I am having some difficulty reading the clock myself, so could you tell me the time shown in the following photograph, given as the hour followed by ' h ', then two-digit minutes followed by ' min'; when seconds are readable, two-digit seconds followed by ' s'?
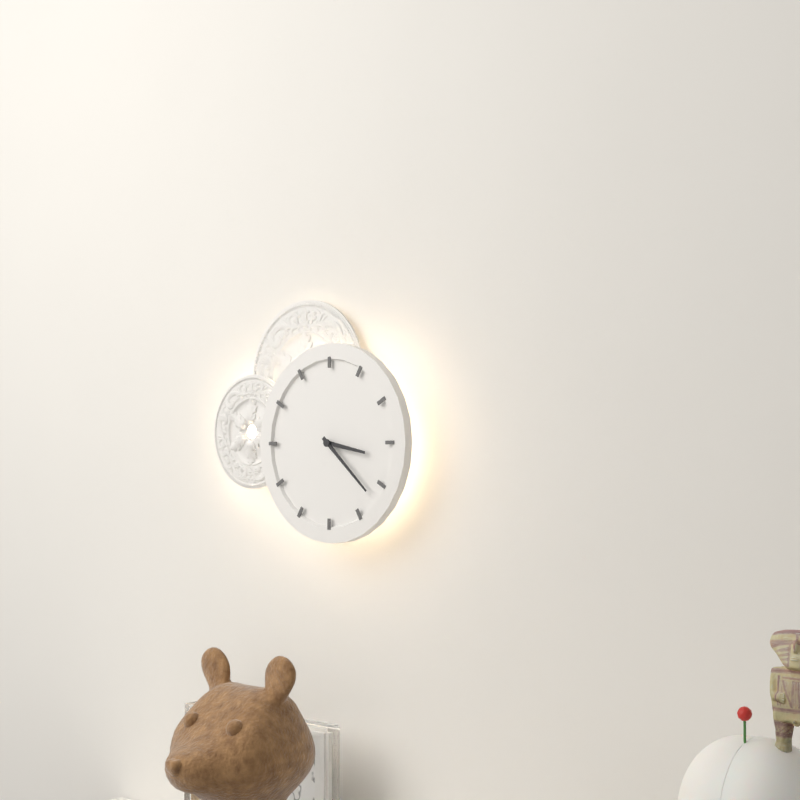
3 h 22 min
